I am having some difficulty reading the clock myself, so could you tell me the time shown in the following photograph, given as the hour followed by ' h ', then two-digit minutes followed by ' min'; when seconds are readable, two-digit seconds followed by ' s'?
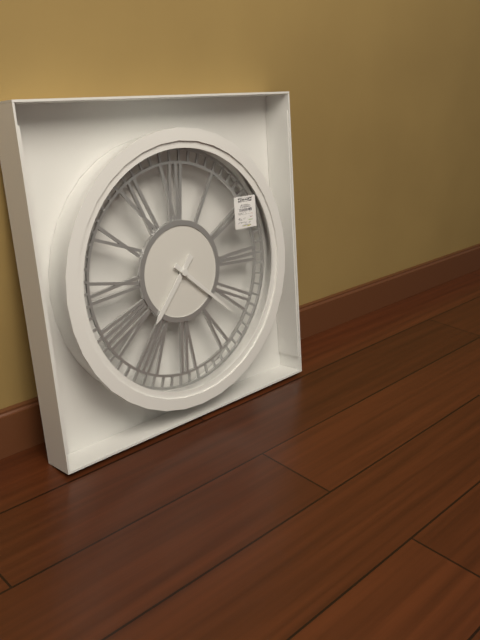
7 h 22 min
